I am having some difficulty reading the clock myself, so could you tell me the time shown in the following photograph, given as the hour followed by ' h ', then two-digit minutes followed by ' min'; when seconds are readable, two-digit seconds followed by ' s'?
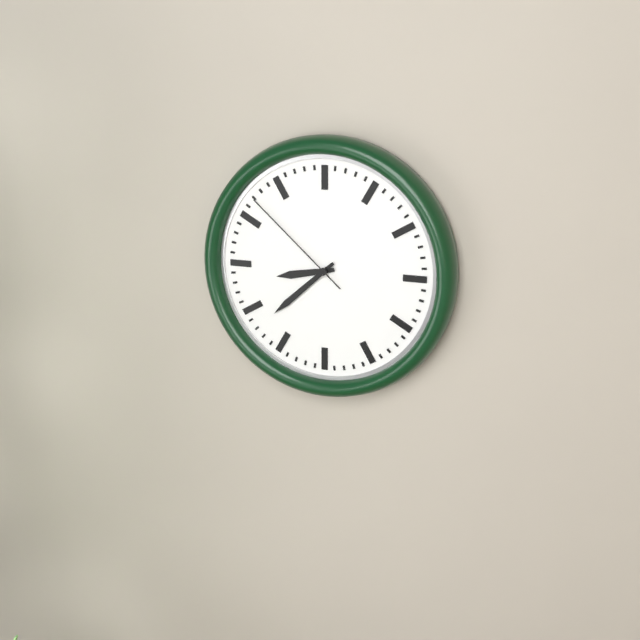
8 h 38 min 52 s
